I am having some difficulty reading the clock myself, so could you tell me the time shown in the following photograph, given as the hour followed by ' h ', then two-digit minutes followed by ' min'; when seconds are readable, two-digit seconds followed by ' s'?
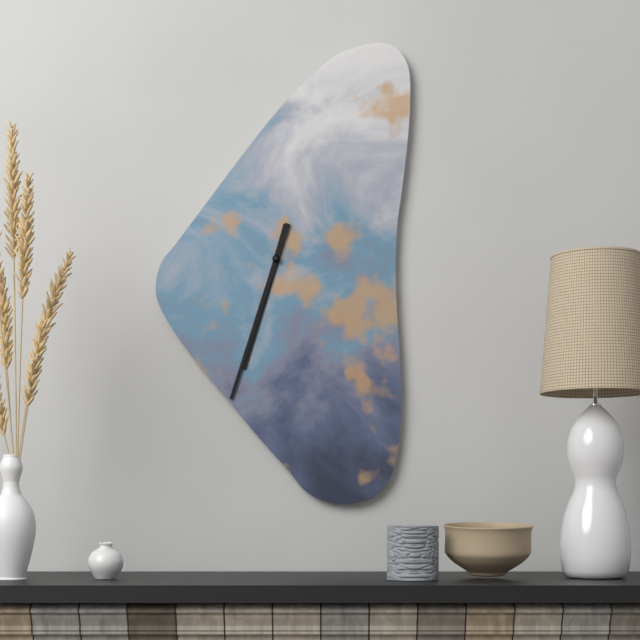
6 h 33 min
